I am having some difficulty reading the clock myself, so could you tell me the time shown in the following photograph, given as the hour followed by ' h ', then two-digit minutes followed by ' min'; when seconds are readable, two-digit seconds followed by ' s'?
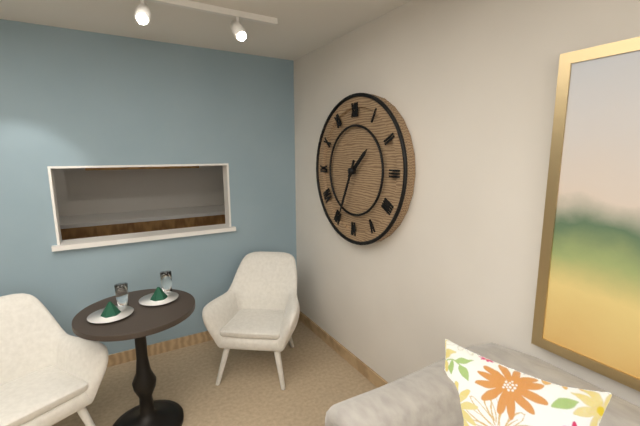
1 h 34 min
